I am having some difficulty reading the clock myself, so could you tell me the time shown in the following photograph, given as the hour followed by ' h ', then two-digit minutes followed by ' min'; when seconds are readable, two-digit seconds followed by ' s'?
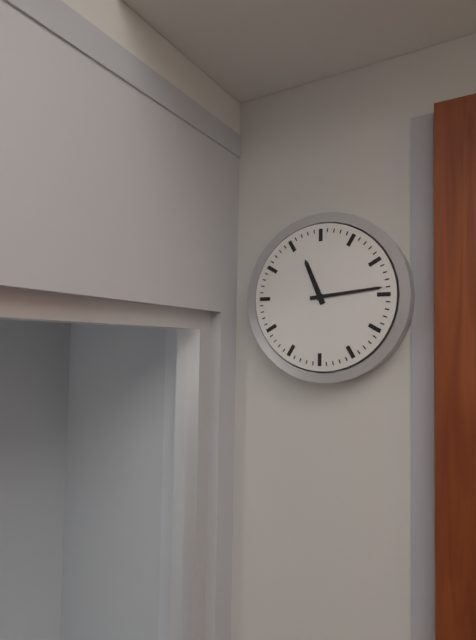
11 h 14 min
